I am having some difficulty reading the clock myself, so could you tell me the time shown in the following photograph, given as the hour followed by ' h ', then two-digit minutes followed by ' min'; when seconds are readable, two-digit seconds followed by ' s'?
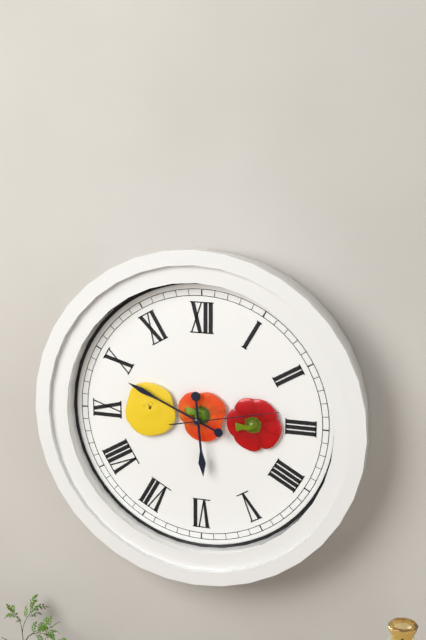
5 h 49 min 13 s
